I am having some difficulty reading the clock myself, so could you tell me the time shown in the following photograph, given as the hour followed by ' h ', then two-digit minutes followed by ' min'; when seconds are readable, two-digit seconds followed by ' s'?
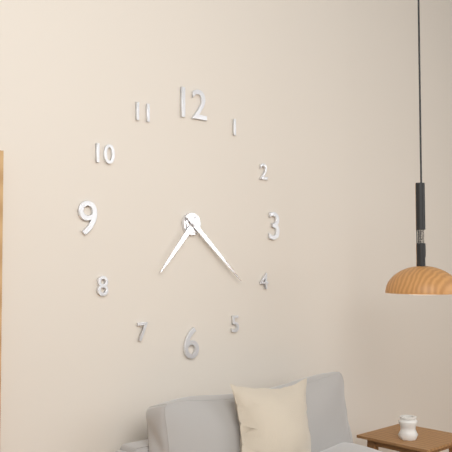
7 h 22 min
